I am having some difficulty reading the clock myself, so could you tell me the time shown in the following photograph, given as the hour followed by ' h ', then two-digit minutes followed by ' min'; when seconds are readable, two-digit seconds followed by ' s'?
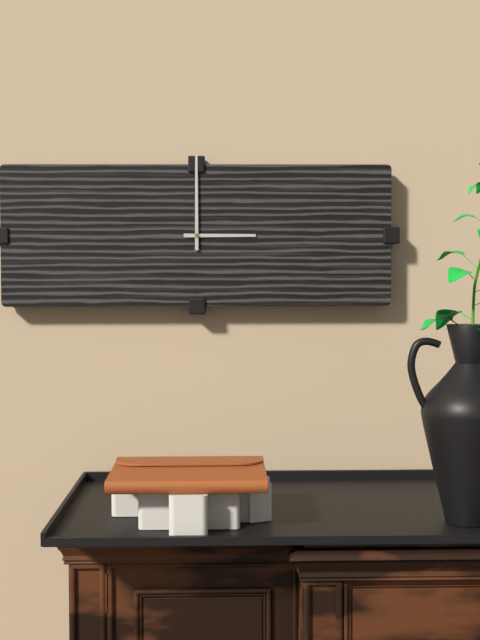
3 h 00 min
